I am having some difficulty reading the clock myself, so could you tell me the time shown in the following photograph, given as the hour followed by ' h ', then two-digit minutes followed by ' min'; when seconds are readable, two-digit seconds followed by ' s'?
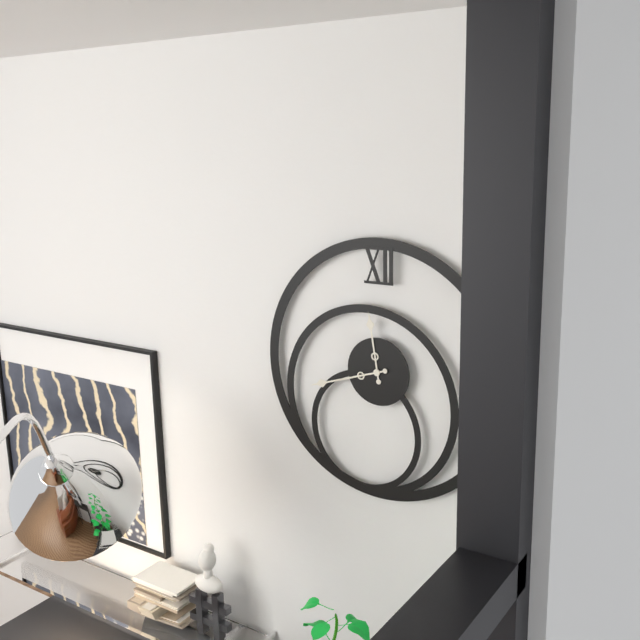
11 h 42 min
